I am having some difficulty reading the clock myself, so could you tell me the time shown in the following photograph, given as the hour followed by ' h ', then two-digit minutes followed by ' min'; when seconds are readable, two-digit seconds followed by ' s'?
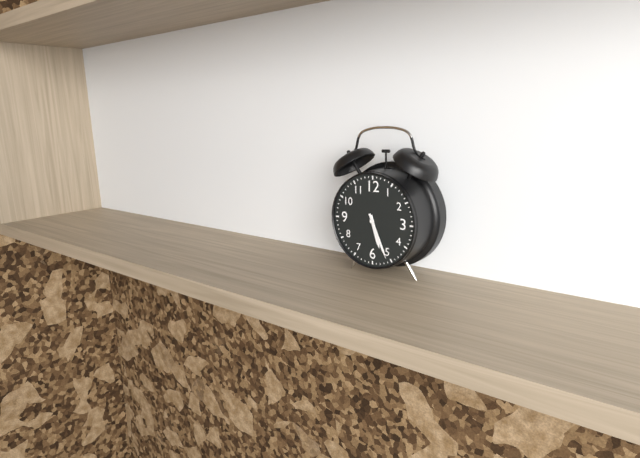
5 h 26 min
